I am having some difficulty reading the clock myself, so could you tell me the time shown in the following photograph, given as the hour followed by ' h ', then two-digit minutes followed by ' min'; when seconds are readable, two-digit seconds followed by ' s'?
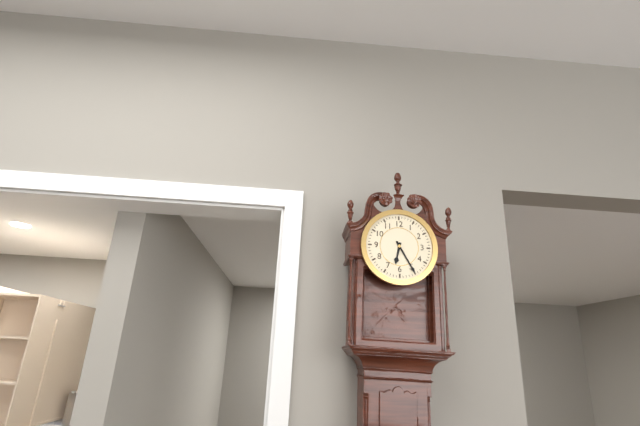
6 h 25 min
